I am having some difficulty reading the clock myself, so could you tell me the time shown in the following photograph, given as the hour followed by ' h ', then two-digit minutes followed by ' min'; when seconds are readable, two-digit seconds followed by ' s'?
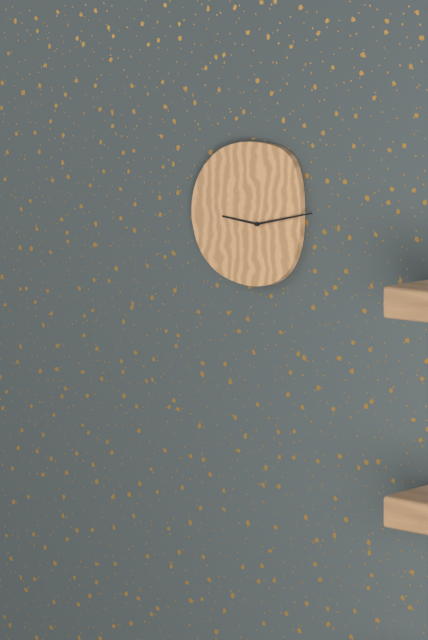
9 h 13 min
